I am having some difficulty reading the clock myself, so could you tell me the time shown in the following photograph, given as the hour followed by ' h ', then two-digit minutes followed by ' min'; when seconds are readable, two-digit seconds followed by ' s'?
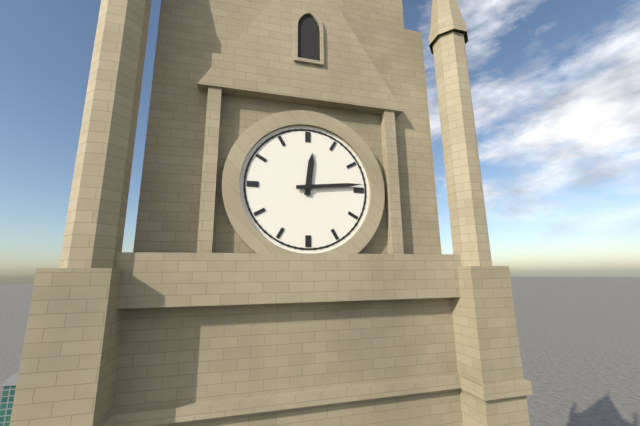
12 h 14 min
